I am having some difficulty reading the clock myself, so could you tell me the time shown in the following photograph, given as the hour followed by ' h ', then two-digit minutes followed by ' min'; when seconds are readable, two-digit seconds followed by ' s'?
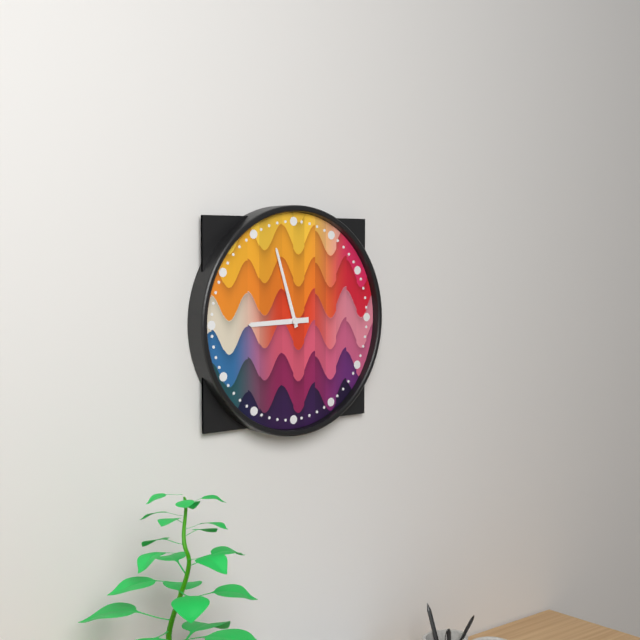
8 h 57 min
